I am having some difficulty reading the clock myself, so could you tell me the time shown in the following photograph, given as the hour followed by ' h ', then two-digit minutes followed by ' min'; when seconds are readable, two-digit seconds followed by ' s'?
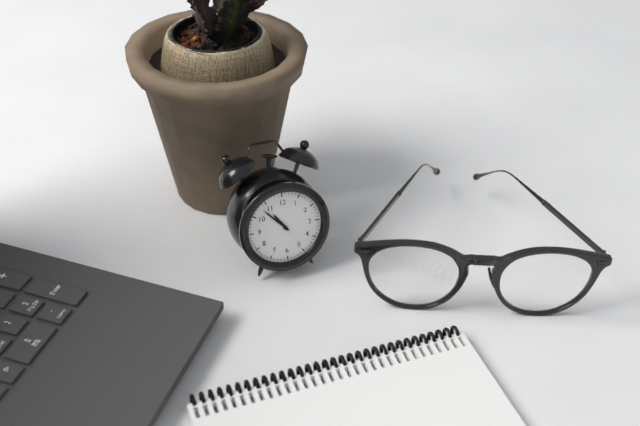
10 h 53 min
